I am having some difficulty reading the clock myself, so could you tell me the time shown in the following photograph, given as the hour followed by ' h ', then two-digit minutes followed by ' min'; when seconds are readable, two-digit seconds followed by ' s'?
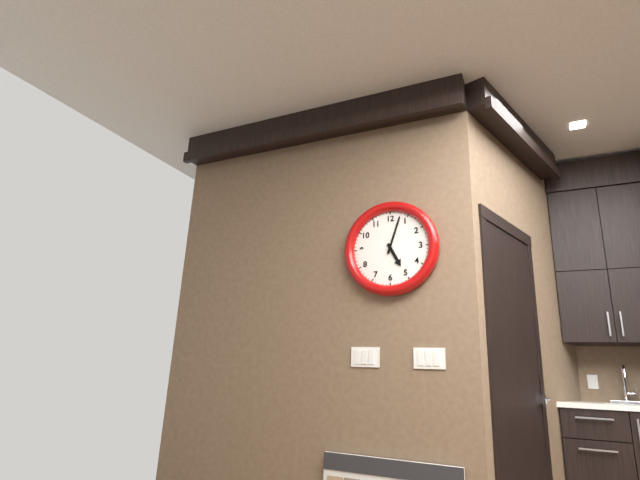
5 h 03 min
